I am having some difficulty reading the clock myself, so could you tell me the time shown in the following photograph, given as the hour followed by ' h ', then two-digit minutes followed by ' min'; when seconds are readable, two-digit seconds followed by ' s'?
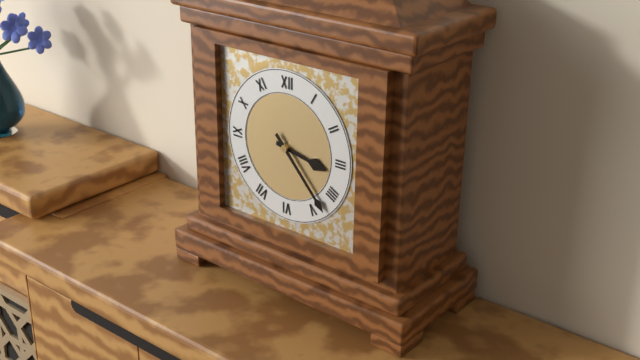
3 h 23 min
